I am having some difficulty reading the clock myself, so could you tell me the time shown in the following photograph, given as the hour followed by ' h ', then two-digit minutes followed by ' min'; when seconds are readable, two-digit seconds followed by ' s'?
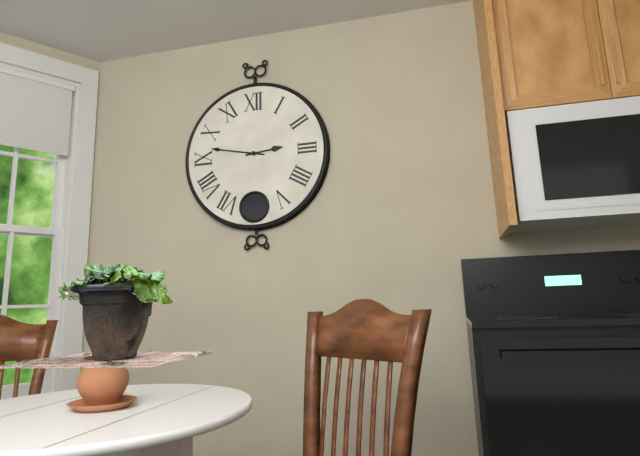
2 h 47 min
